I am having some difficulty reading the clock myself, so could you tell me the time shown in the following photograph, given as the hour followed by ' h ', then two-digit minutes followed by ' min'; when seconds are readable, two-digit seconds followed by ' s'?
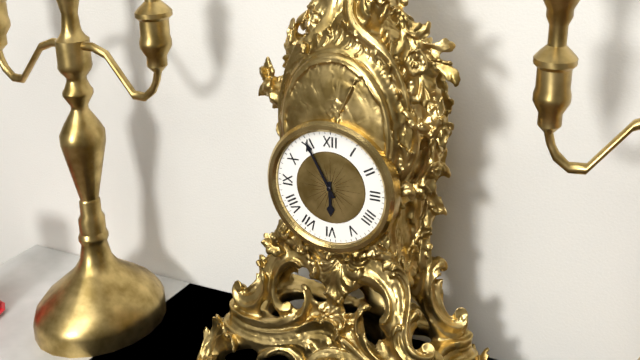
5 h 55 min
